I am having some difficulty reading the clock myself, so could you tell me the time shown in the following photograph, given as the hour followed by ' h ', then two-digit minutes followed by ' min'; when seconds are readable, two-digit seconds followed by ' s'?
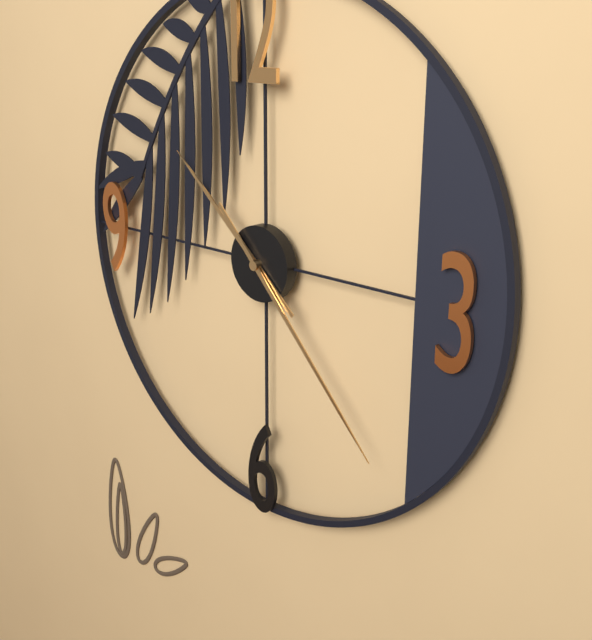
10 h 23 min
